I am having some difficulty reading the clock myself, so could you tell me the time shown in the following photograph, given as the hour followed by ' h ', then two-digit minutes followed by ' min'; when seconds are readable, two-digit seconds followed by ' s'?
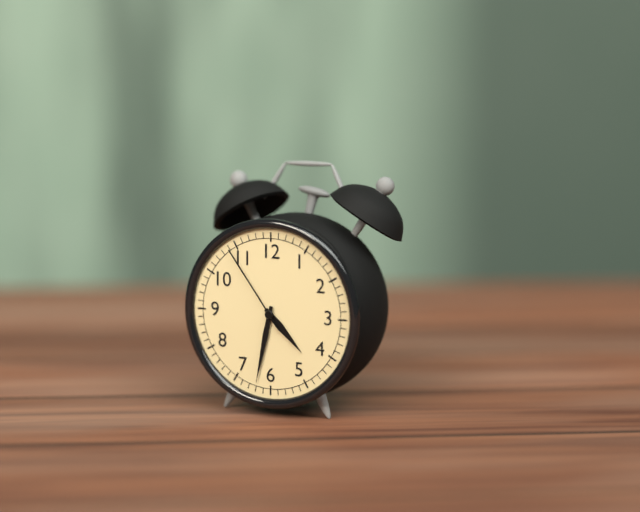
4 h 32 min 54 s
